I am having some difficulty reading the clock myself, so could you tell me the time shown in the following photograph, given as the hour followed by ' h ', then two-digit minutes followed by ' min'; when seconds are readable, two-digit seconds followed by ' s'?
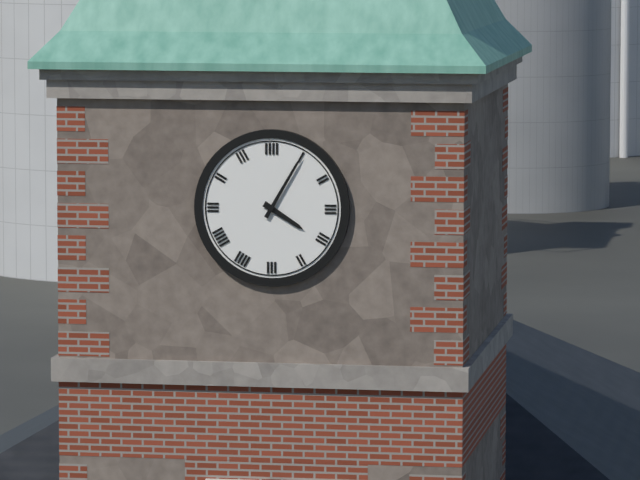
4 h 05 min
